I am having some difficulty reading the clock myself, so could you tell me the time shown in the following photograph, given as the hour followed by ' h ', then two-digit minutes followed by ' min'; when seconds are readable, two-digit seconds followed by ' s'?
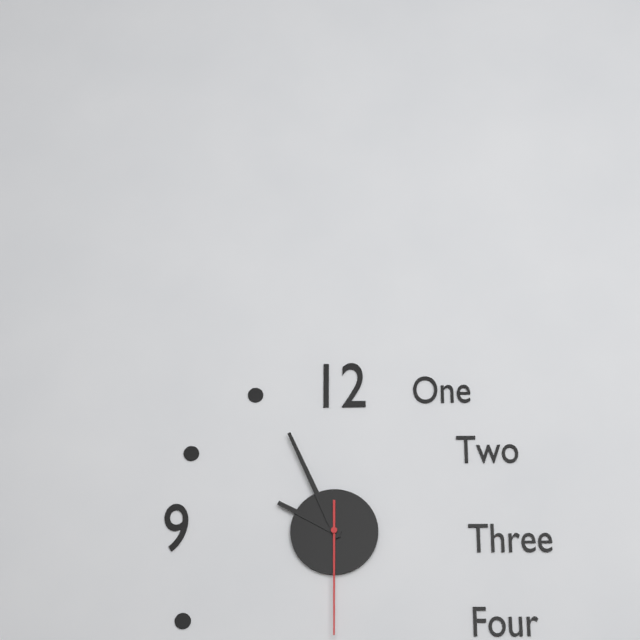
9 h 56 min 30 s
